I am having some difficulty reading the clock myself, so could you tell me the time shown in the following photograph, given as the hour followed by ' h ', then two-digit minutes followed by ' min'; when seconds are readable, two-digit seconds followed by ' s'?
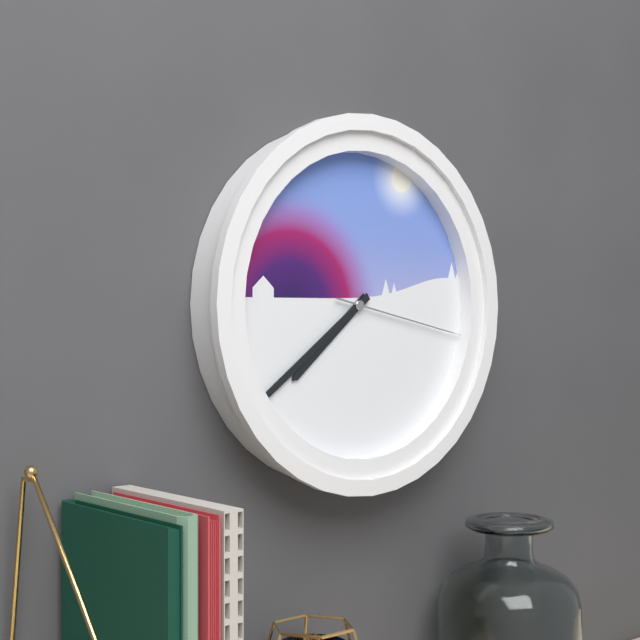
7 h 39 min 17 s
